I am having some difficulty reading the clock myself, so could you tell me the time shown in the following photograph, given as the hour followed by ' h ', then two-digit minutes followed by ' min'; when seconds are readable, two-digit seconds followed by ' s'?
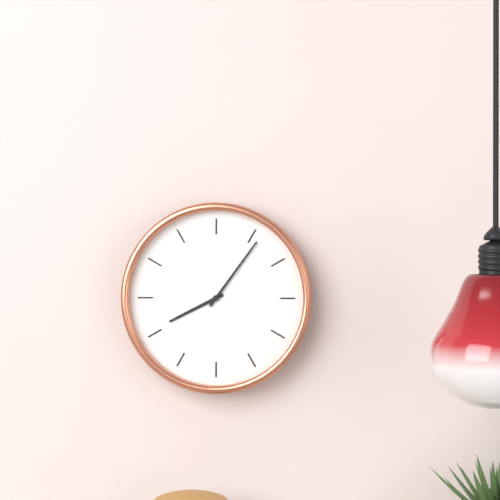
8 h 06 min
